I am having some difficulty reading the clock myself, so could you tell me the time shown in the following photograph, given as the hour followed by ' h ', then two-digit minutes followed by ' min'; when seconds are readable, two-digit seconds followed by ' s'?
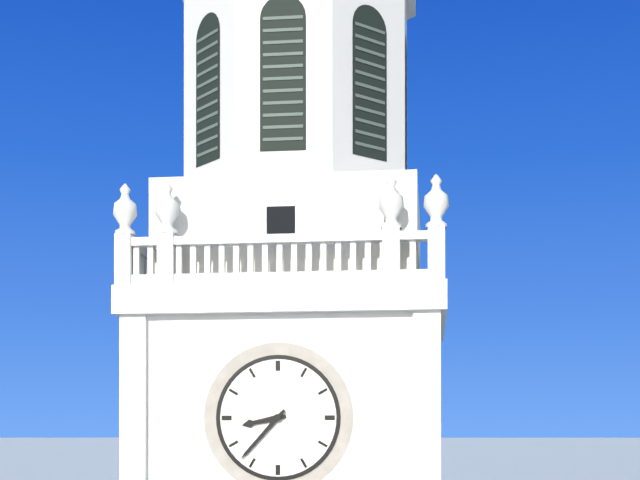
8 h 37 min
